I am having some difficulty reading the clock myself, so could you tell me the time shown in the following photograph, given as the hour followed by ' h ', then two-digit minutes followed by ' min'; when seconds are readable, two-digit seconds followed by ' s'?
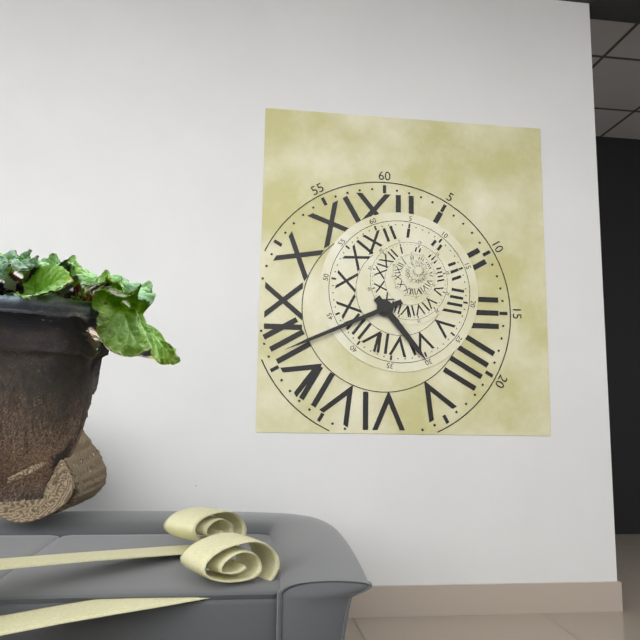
4 h 41 min
